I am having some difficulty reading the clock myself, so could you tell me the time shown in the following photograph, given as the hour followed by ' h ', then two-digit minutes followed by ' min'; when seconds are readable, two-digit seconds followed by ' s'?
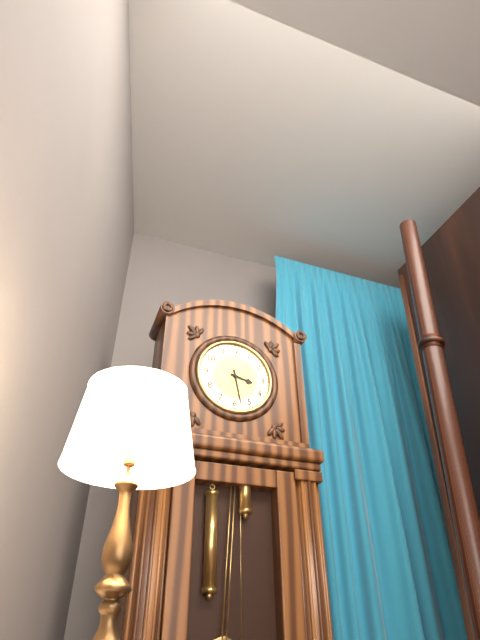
3 h 28 min
